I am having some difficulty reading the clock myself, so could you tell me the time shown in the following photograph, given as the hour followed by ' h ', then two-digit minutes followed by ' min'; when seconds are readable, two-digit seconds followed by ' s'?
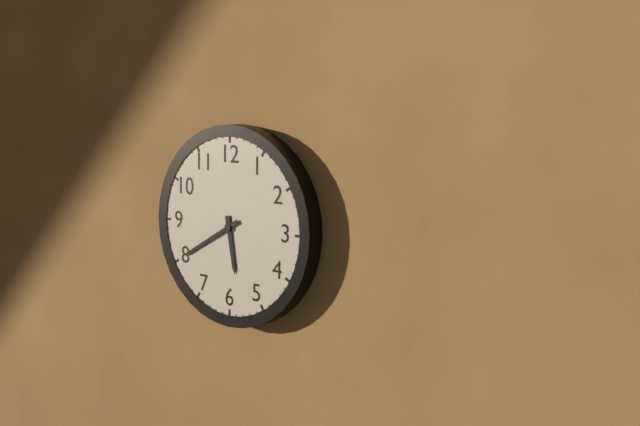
5 h 40 min
